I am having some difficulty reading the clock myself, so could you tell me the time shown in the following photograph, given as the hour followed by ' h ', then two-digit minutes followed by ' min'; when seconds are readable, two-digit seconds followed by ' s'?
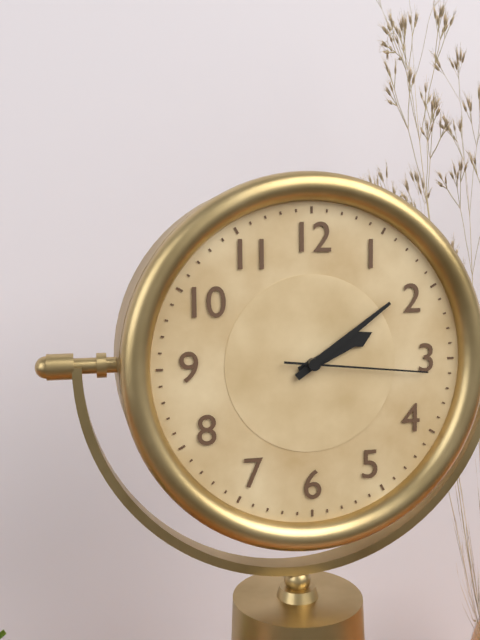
2 h 09 min 16 s
